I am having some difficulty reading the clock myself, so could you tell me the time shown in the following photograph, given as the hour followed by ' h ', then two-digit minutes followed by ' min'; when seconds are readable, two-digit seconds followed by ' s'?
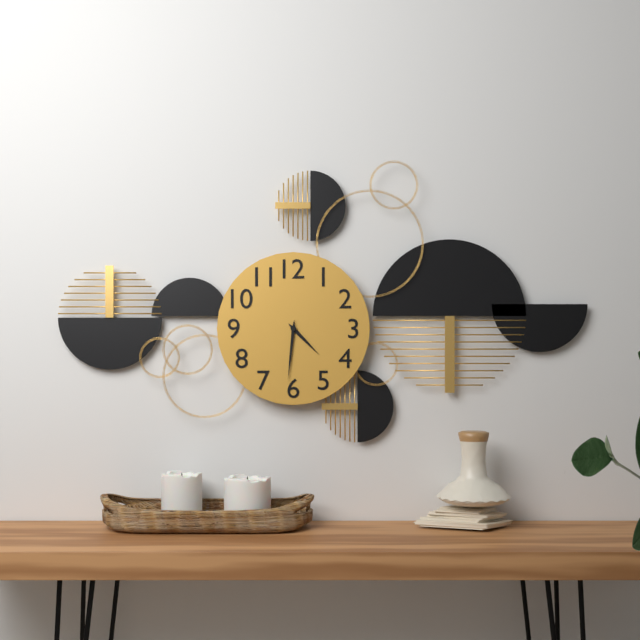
4 h 31 min
